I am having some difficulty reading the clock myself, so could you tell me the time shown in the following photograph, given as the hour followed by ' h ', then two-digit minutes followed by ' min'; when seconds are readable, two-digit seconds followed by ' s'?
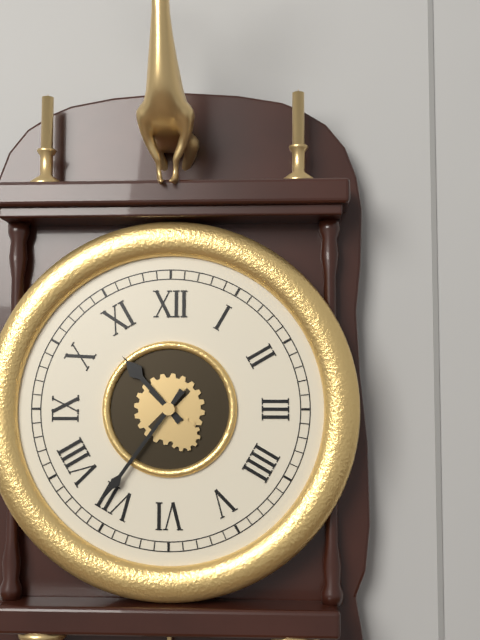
10 h 36 min
